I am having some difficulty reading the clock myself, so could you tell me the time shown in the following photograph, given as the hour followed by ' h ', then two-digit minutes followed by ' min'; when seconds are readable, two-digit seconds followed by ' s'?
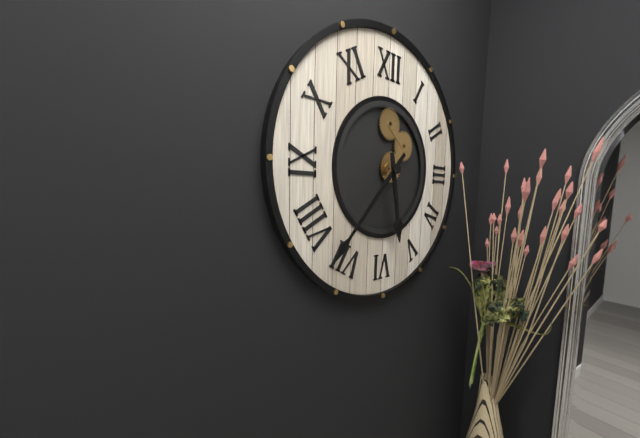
5 h 37 min
